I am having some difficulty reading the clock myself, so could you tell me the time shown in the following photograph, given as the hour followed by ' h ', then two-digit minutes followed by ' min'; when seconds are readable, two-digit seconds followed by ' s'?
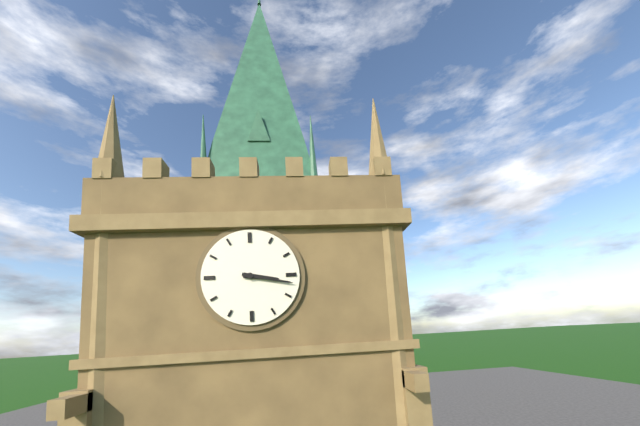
3 h 17 min
